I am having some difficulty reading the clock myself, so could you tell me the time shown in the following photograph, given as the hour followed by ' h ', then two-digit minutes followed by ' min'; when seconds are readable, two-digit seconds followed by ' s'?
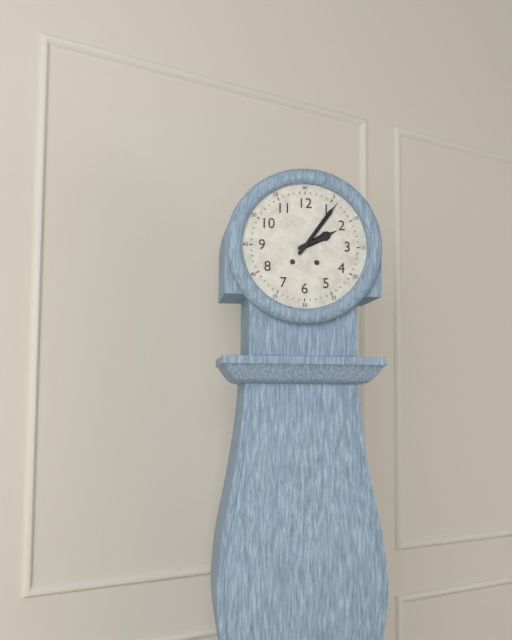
2 h 06 min
